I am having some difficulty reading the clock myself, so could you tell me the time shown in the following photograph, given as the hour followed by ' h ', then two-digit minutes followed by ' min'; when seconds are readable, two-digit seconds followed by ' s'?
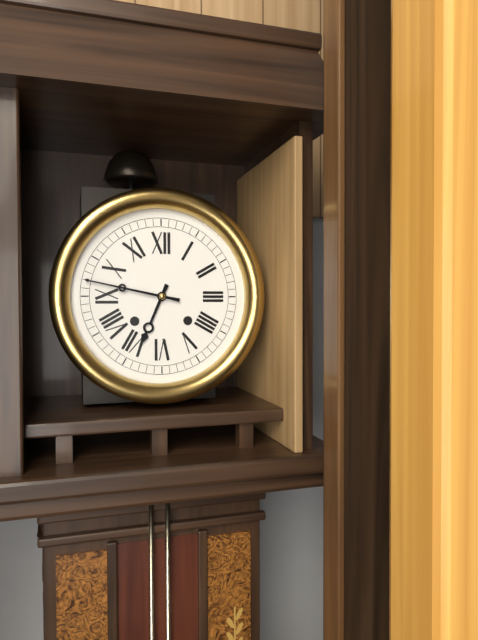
6 h 47 min
